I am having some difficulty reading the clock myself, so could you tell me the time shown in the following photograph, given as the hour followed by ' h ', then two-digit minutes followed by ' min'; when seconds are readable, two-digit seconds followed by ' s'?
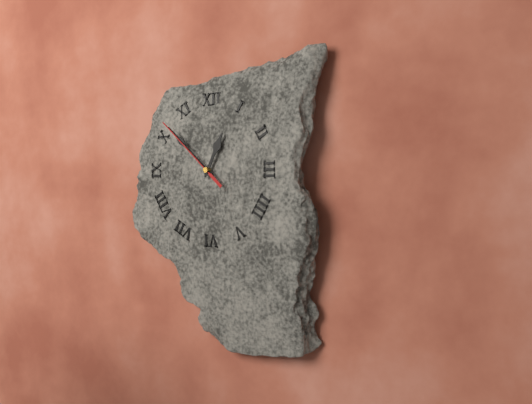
12 h 52 min 52 s
